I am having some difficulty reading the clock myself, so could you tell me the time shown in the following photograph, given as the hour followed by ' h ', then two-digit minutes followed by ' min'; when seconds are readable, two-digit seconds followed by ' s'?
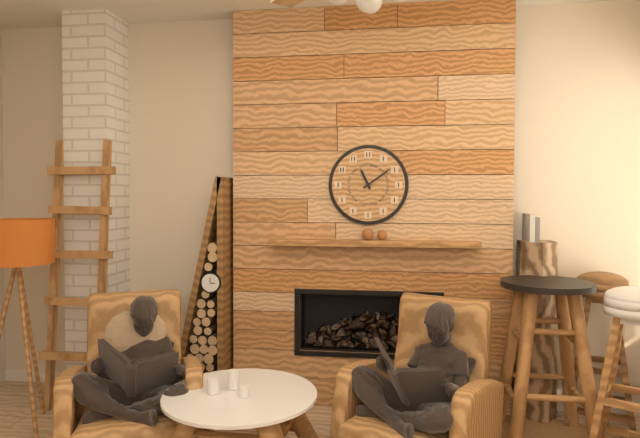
11 h 09 min
